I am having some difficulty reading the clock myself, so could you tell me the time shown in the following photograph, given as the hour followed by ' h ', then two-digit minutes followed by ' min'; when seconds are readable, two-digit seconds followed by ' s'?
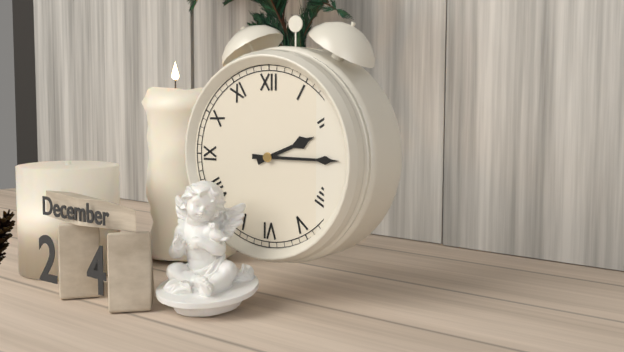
2 h 15 min
